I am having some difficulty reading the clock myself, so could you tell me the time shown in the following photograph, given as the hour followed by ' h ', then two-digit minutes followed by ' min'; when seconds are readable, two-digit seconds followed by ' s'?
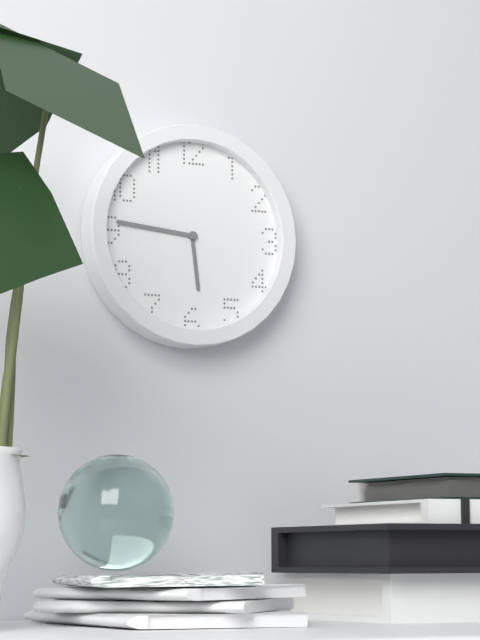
5 h 46 min
